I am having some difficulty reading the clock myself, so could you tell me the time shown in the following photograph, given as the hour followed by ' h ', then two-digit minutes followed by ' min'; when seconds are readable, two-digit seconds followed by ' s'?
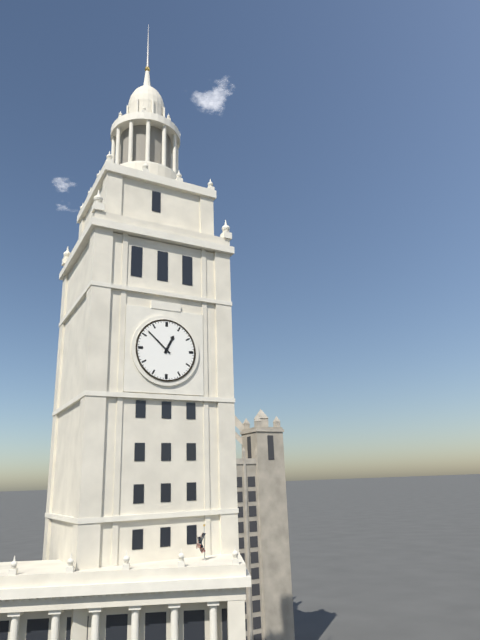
12 h 52 min
